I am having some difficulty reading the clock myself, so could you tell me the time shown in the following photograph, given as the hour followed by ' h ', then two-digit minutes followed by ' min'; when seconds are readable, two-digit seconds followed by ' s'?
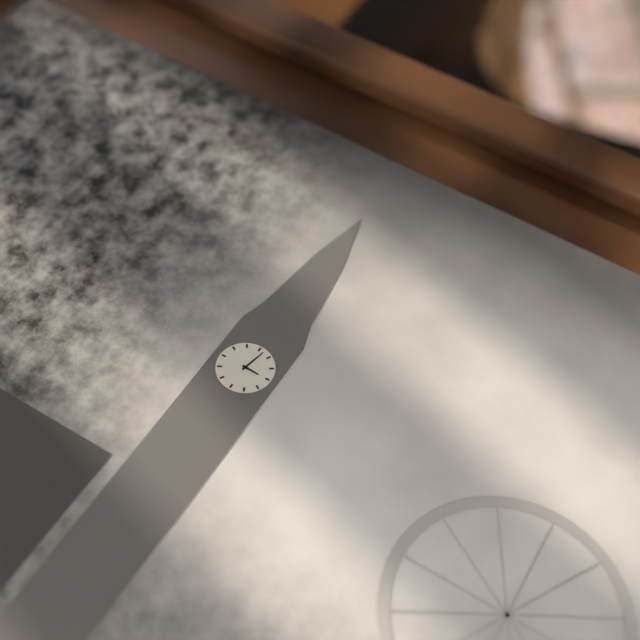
3 h 02 min
